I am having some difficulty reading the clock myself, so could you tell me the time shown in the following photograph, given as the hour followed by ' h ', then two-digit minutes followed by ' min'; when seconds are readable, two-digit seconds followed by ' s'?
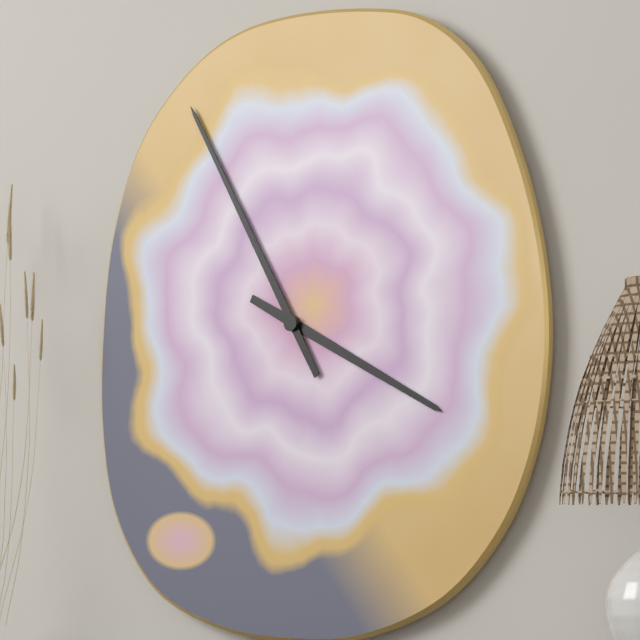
3 h 55 min
